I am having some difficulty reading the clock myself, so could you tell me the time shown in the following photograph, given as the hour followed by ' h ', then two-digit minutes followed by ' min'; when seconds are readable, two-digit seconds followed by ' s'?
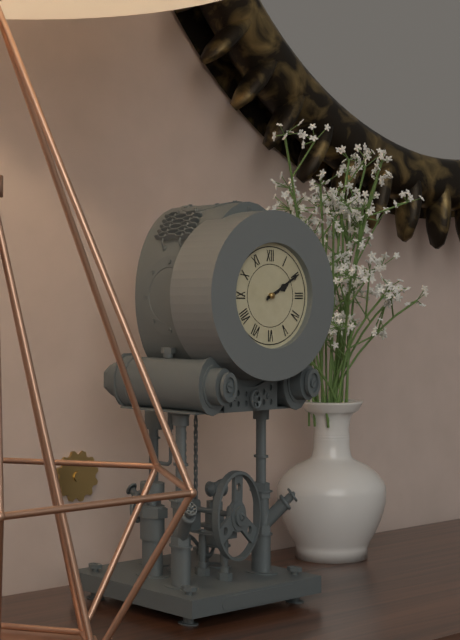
2 h 10 min
